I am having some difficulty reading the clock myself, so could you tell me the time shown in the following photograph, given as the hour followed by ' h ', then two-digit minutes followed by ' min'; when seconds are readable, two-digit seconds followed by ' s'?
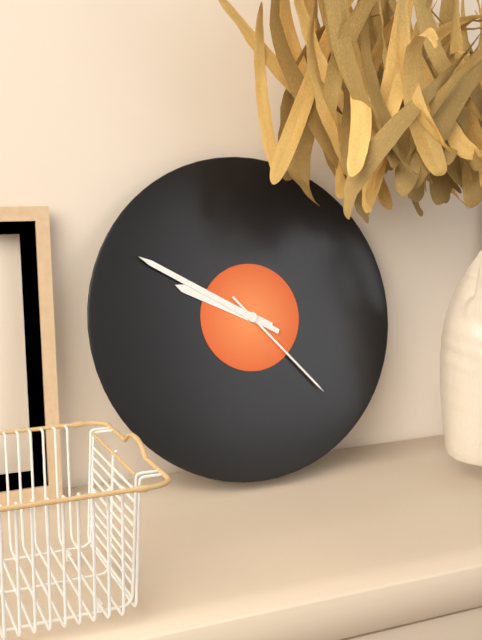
9 h 50 min 23 s
